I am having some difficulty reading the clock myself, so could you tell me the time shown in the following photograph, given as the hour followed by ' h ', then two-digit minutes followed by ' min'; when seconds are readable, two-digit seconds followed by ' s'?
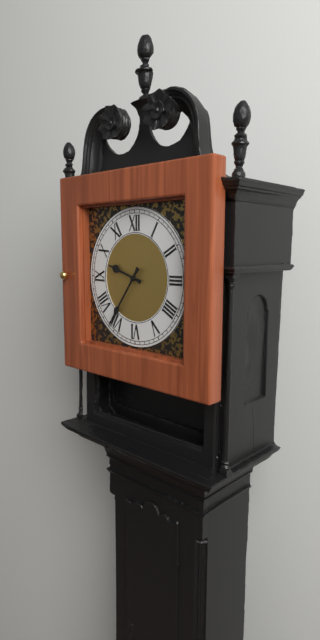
9 h 36 min
